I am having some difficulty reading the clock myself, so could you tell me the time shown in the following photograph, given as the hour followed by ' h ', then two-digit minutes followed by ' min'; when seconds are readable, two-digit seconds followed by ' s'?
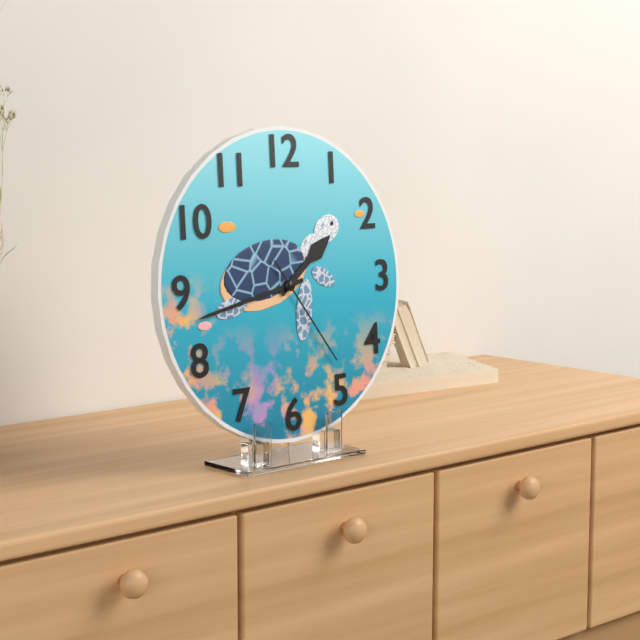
1 h 43 min 24 s
